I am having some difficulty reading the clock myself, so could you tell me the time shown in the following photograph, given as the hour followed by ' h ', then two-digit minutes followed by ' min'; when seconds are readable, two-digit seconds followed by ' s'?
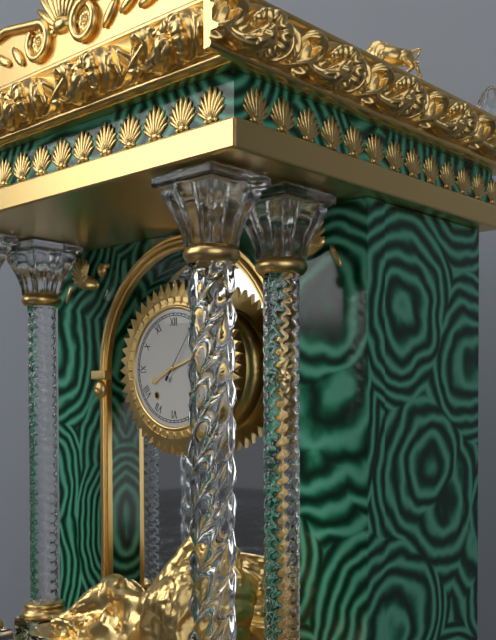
8 h 12 min 06 s
